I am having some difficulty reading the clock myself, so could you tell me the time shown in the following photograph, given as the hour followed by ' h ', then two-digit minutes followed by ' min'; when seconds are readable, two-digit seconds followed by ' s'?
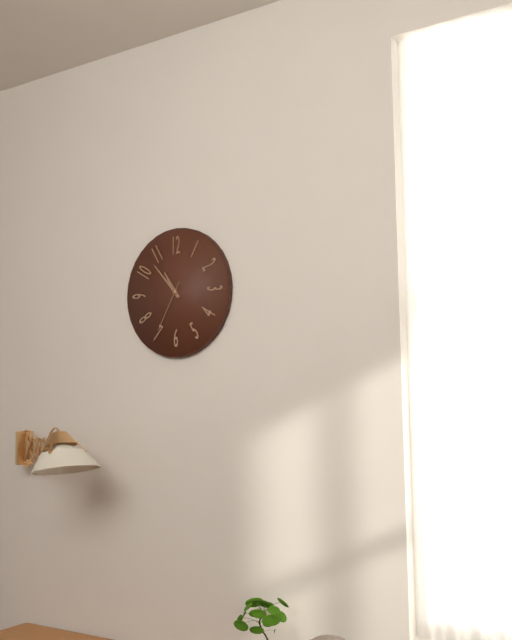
10 h 53 min 35 s
